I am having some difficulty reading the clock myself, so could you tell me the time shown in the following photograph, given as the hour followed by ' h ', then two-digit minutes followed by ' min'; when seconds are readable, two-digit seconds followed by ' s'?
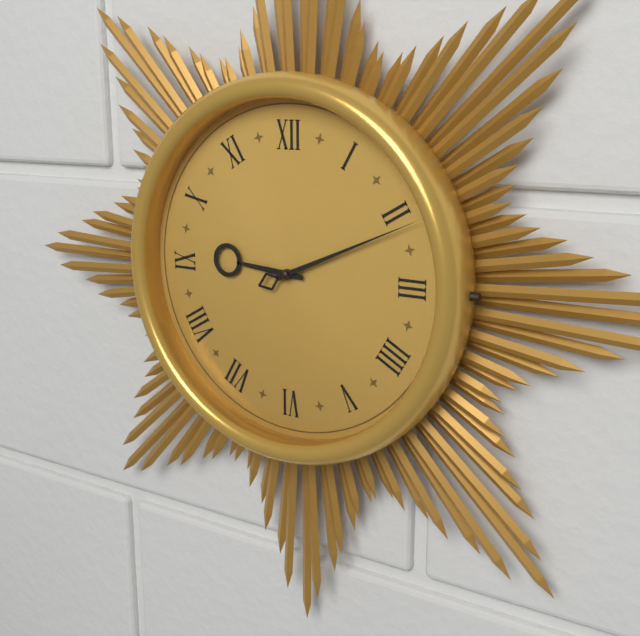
9 h 11 min
